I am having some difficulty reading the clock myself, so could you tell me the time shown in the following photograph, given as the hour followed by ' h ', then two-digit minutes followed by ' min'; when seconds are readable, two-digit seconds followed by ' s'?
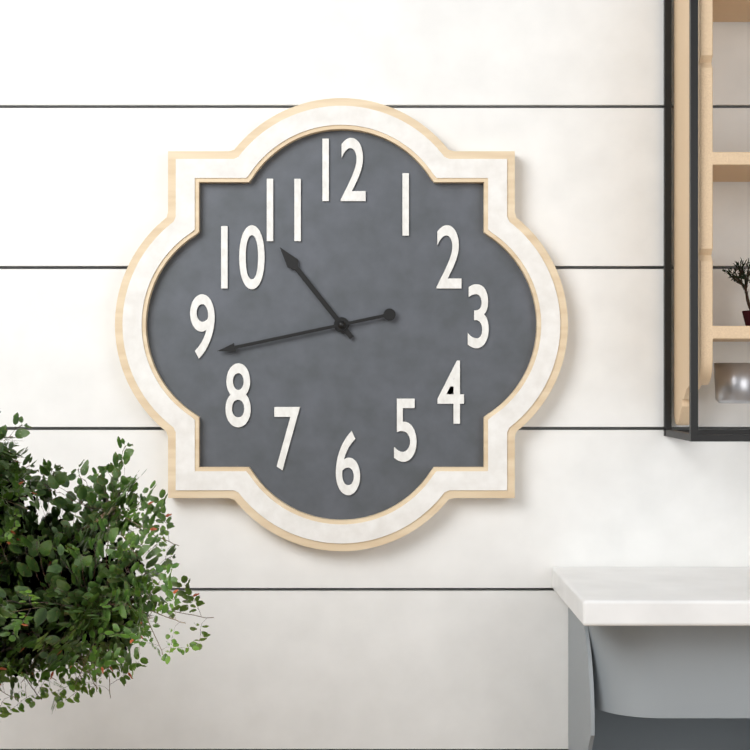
10 h 43 min
